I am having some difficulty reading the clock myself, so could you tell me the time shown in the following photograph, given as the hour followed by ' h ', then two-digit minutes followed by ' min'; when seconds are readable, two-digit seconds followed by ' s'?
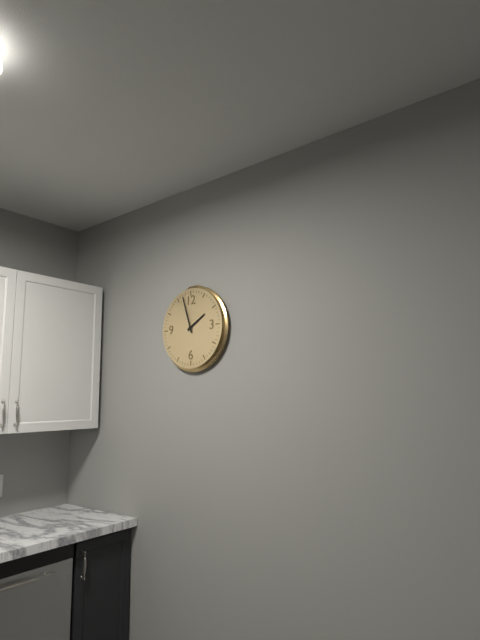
1 h 57 min
